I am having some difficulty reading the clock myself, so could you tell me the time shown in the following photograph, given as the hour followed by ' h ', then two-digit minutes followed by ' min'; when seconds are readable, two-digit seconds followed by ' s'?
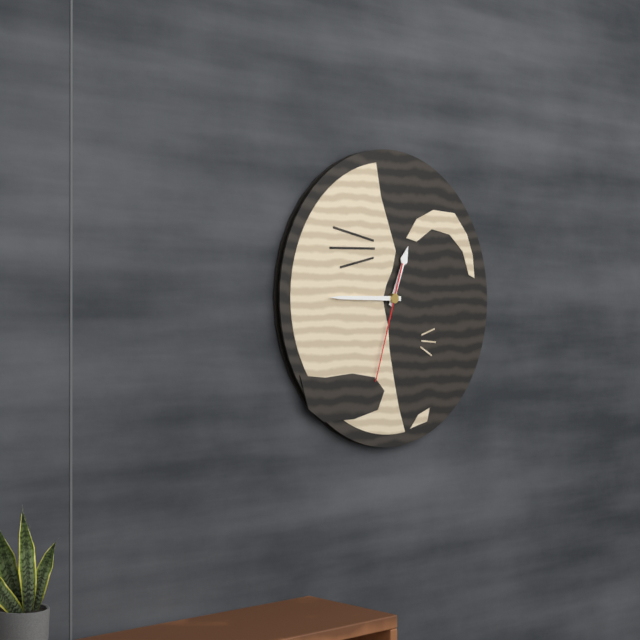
12 h 45 min 33 s
